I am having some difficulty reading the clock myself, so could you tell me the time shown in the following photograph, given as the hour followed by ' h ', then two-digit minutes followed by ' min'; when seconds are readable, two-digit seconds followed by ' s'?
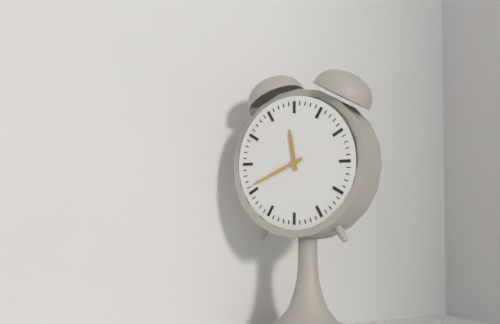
11 h 41 min
